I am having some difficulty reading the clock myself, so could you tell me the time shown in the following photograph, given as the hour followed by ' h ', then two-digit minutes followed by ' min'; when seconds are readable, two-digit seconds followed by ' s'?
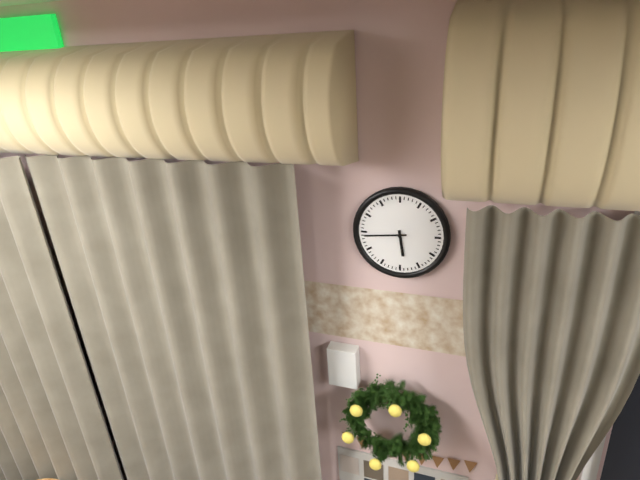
5 h 44 min
